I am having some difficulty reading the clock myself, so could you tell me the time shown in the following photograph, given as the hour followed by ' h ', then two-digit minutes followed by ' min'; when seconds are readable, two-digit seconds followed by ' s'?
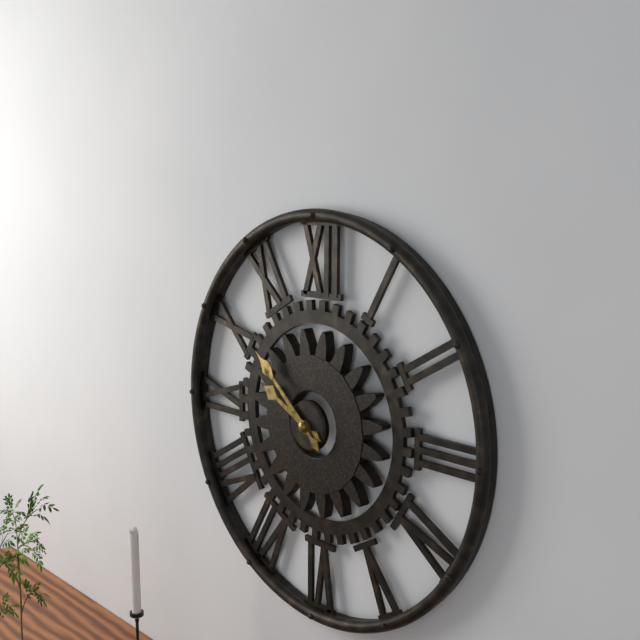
9 h 52 min
